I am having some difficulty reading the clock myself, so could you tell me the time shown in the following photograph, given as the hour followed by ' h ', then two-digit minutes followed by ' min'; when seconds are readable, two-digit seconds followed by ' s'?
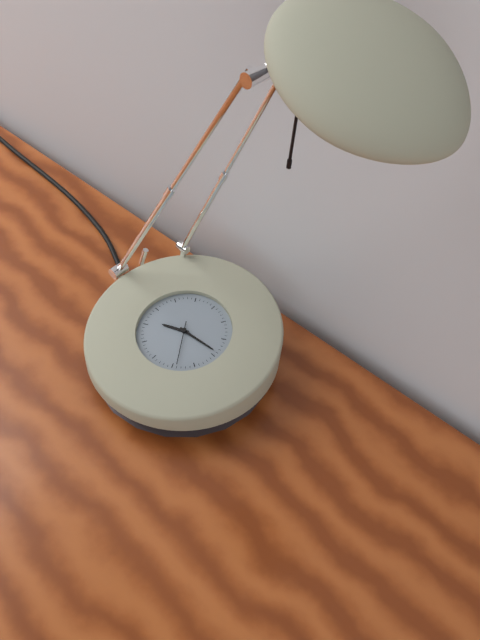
8 h 14 min
